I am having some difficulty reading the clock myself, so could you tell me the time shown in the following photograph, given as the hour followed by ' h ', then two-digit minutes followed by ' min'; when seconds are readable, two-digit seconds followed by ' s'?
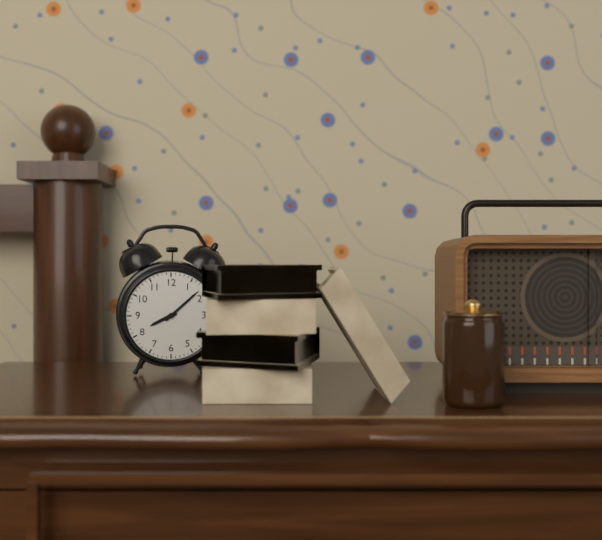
8 h 08 min
